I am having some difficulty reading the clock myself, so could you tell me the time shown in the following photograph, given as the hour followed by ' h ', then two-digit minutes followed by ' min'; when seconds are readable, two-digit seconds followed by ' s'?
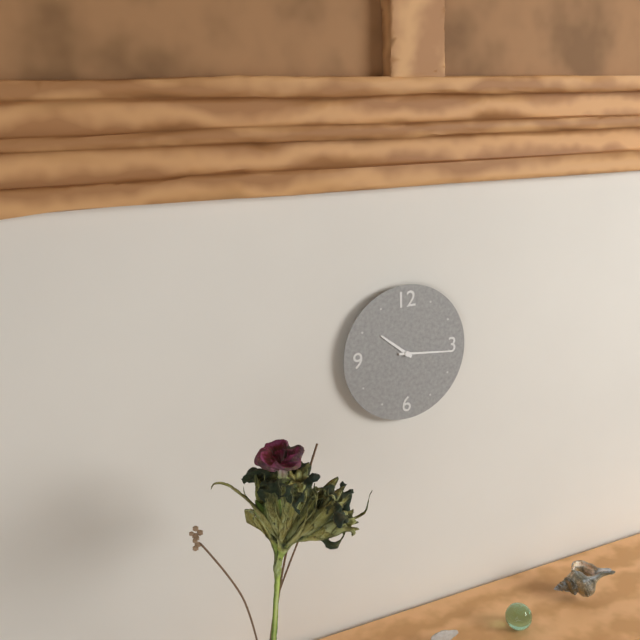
10 h 16 min
